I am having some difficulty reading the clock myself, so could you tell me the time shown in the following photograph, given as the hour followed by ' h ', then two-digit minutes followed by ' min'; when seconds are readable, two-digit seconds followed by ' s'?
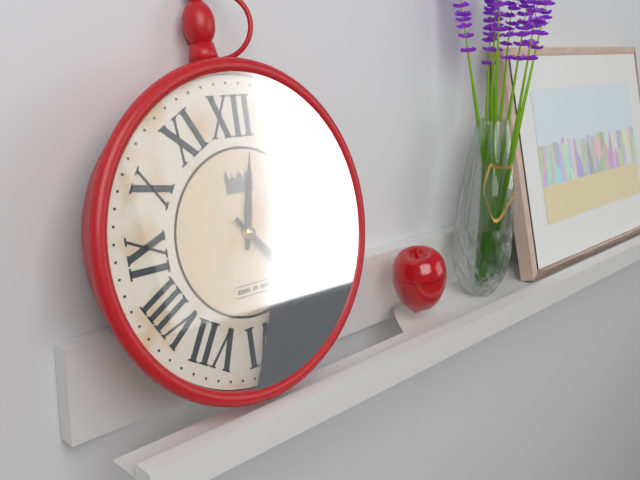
12 h 23 min
